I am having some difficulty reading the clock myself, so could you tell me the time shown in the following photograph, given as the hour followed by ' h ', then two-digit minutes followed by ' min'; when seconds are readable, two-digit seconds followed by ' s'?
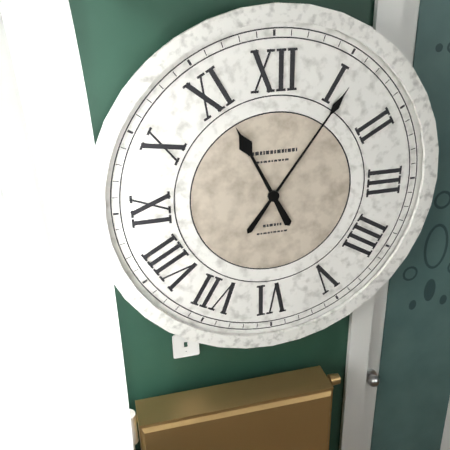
11 h 06 min
